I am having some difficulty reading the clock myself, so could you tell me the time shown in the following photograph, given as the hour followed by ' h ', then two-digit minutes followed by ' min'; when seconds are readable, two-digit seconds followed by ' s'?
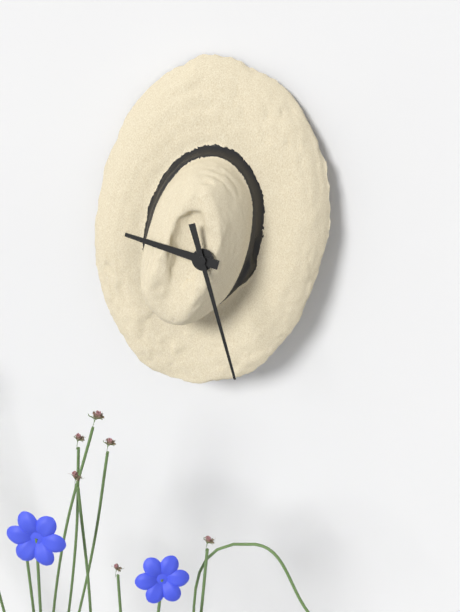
9 h 27 min
